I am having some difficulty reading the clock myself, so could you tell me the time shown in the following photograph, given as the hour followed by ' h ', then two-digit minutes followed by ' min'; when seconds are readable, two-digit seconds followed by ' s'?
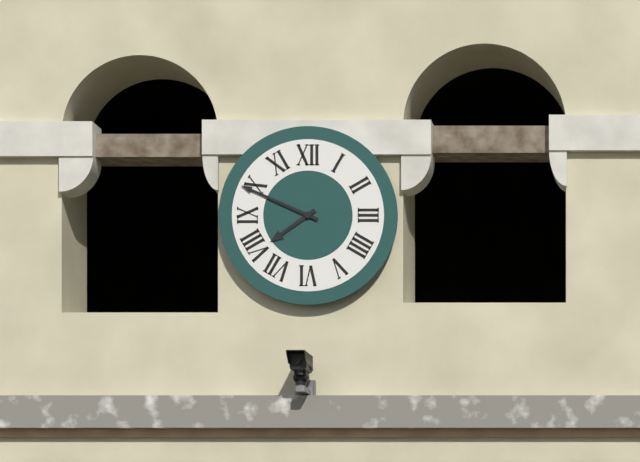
7 h 49 min
